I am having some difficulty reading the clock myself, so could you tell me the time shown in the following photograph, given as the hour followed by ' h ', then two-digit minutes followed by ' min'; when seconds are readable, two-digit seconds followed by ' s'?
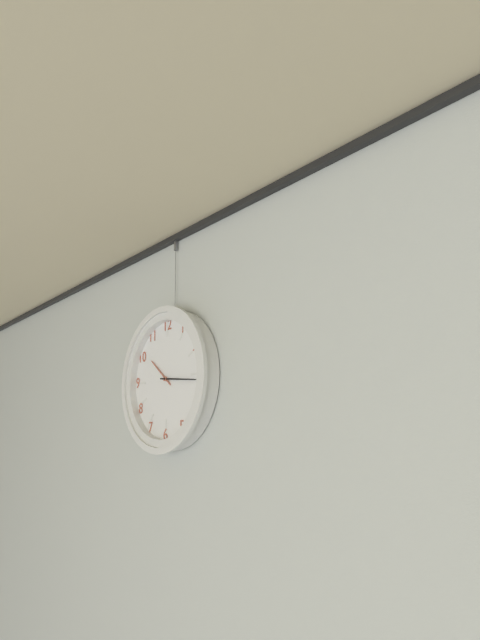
10 h 16 min
